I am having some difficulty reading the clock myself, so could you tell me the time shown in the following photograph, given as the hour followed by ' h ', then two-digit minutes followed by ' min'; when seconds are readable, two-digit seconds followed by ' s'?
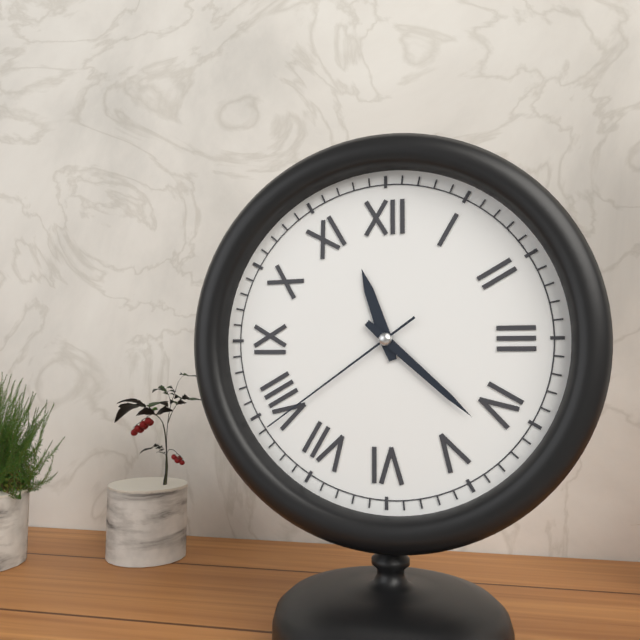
11 h 22 min 39 s
